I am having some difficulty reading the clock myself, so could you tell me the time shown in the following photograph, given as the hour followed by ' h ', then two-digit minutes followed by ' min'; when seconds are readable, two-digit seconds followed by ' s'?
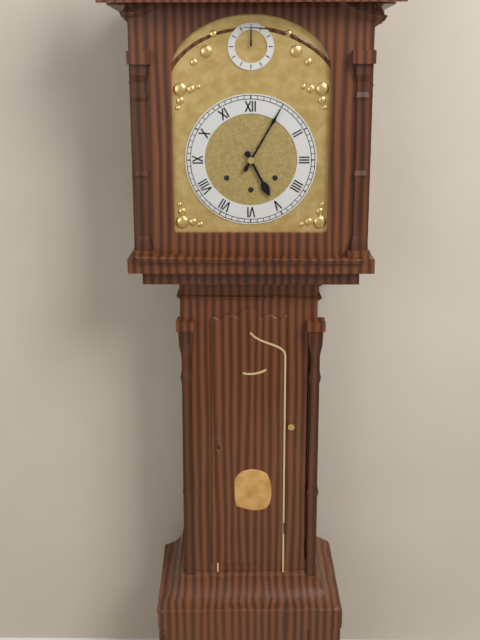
5 h 05 min
